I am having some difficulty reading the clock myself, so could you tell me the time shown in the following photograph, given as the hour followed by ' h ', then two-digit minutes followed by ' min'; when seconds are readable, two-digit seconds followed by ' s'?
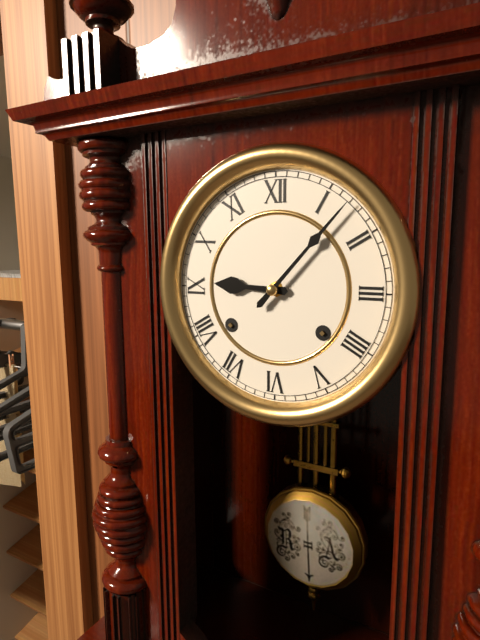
9 h 07 min
